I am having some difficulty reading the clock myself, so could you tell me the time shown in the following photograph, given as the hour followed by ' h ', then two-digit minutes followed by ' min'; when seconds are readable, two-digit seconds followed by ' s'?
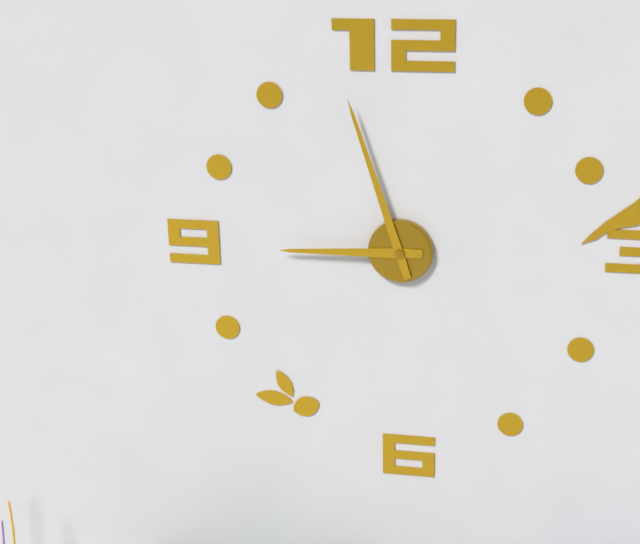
8 h 57 min
